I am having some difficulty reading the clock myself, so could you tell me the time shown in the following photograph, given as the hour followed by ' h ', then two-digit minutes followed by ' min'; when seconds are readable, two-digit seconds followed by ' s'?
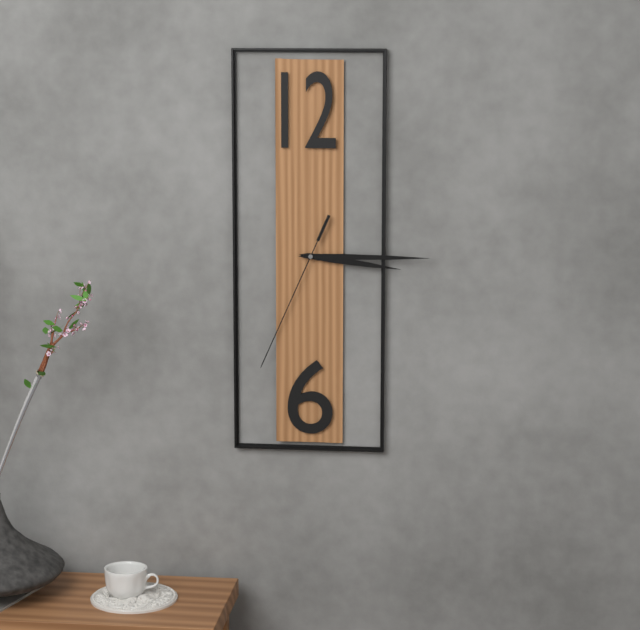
3 h 15 min 34 s
